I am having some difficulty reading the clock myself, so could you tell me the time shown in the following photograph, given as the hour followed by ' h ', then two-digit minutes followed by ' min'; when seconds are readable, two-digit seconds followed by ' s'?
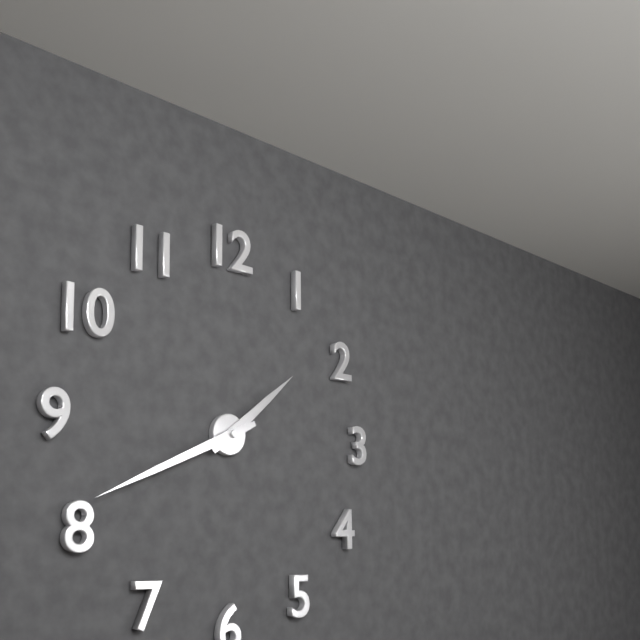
1 h 41 min
